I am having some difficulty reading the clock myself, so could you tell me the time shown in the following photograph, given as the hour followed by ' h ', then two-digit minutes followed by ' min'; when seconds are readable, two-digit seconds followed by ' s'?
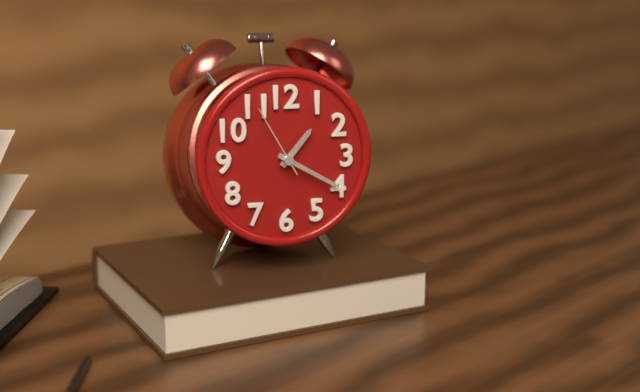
1 h 20 min 55 s
